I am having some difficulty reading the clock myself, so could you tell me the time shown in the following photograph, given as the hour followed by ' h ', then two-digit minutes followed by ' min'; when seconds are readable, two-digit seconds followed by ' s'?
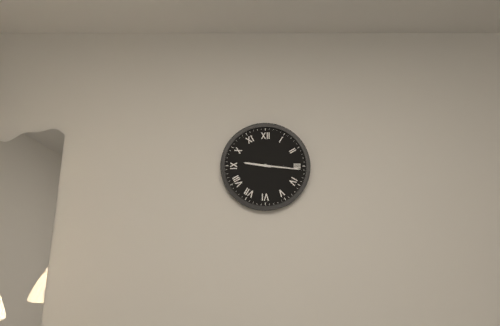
9 h 16 min
